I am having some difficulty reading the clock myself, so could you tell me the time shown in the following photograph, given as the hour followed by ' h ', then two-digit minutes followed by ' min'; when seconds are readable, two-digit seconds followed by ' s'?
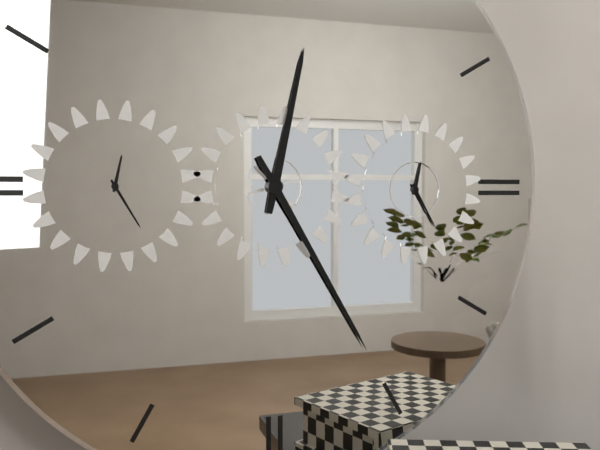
12 h 25 min
